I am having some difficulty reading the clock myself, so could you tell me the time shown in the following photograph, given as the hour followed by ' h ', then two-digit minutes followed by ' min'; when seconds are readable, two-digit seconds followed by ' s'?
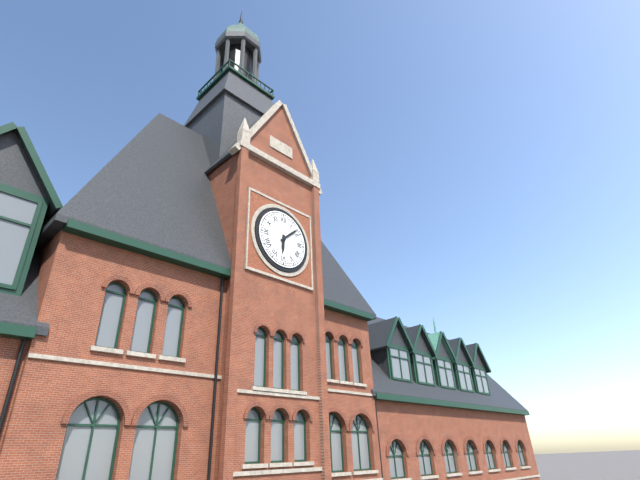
6 h 08 min
